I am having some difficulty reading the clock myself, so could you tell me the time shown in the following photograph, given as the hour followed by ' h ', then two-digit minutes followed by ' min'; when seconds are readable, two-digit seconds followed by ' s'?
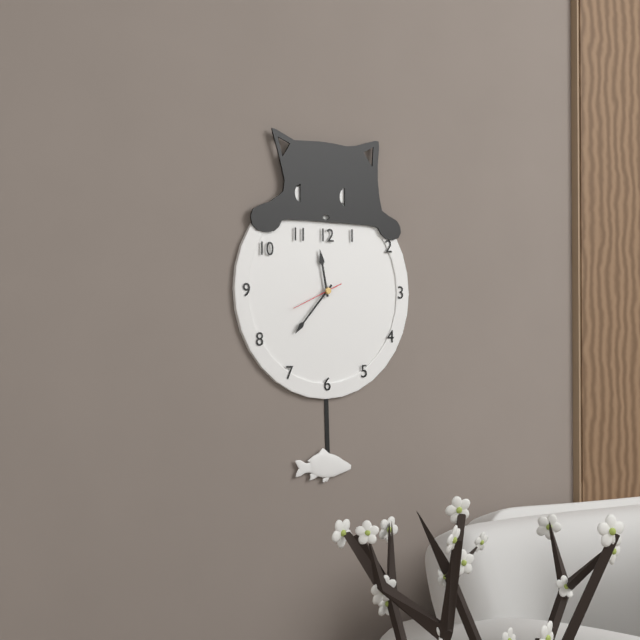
11 h 37 min
